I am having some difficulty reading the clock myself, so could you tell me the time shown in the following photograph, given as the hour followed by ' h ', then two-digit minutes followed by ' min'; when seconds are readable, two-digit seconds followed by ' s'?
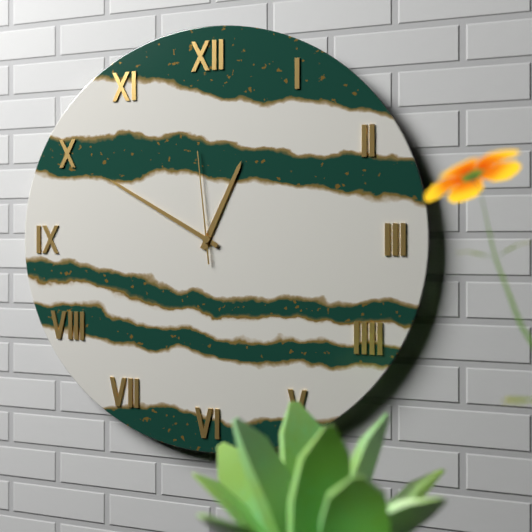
12 h 50 min 59 s
